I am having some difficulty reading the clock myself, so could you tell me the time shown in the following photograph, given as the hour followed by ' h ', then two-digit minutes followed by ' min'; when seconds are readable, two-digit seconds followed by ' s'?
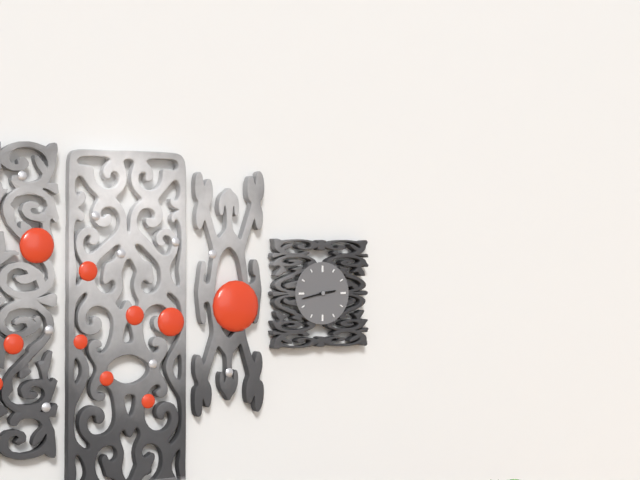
2 h 43 min
